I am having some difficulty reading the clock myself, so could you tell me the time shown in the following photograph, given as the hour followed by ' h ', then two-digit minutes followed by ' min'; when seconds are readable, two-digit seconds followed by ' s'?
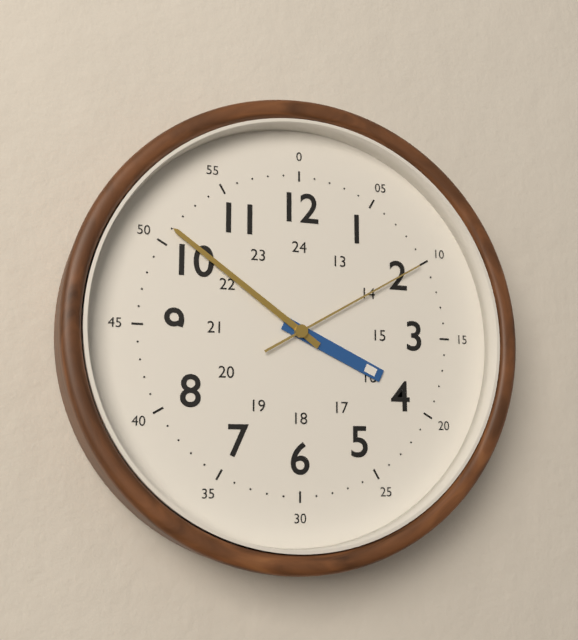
3 h 51 min 10 s
